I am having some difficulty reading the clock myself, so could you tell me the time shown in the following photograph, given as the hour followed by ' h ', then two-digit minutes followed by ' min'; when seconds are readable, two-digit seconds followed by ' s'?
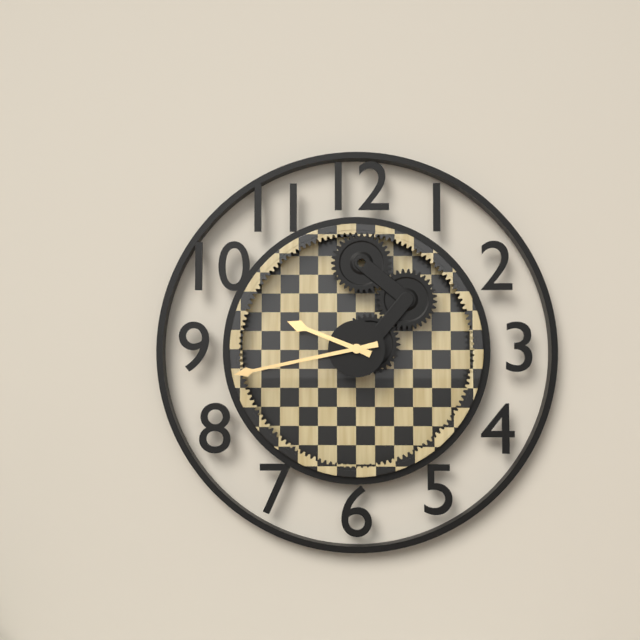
9 h 43 min
